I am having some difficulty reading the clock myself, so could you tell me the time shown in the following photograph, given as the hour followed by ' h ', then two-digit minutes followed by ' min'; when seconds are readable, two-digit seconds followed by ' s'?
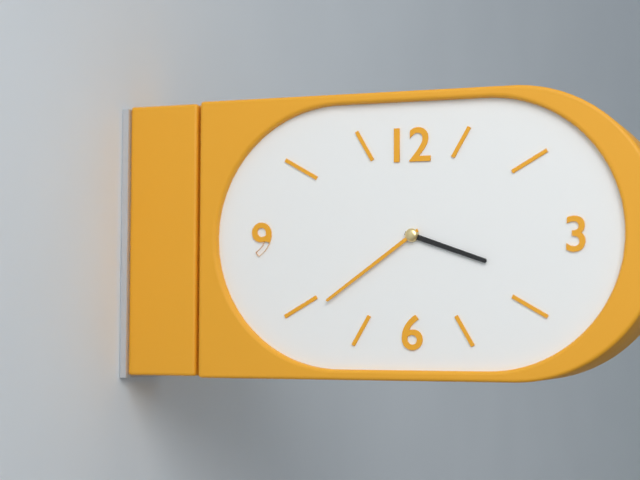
3 h 39 min
